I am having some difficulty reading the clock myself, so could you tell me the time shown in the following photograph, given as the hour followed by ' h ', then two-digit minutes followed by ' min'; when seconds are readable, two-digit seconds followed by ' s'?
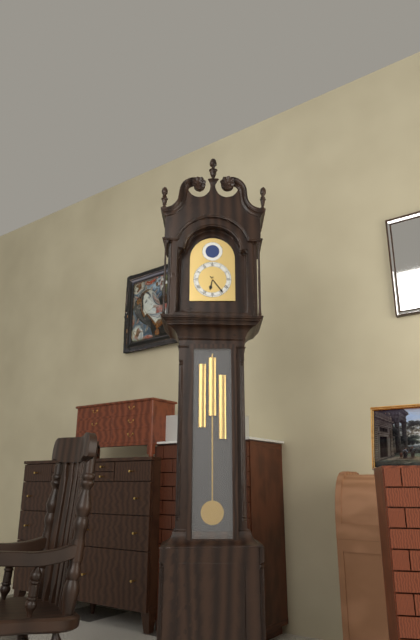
6 h 24 min
